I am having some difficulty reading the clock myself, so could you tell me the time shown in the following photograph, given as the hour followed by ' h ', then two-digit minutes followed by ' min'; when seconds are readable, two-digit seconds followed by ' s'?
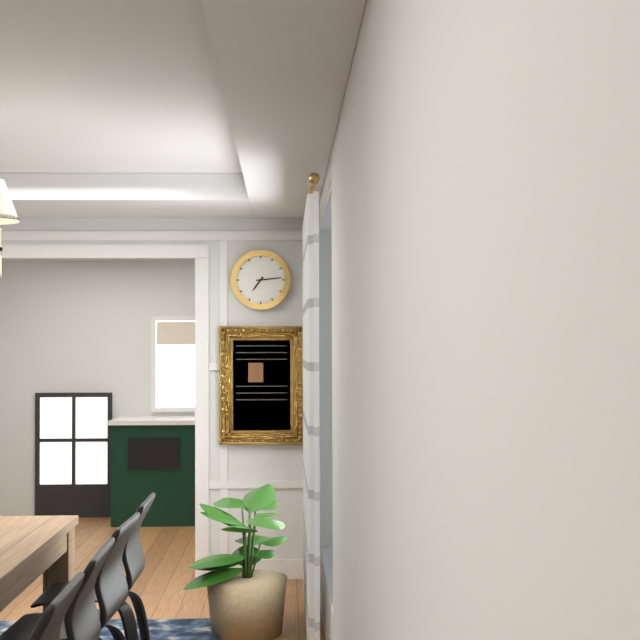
7 h 14 min
